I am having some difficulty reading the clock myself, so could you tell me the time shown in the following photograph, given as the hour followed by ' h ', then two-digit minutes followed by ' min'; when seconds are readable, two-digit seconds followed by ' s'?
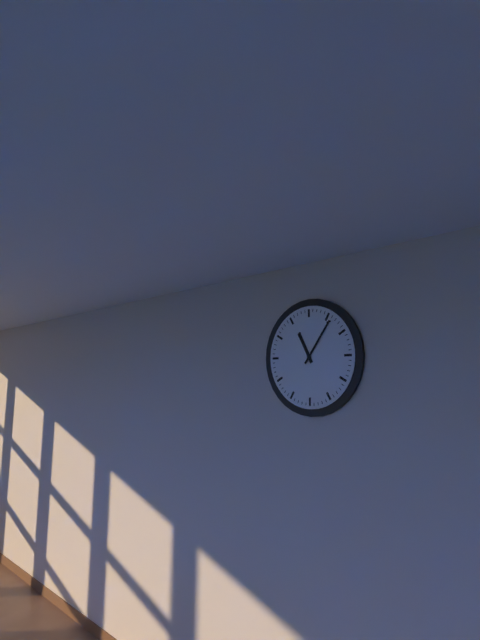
11 h 06 min
